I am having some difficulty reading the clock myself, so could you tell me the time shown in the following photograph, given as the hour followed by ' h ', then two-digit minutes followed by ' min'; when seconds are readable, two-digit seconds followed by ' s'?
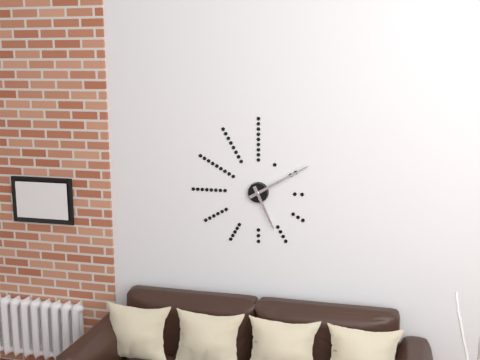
5 h 10 min
